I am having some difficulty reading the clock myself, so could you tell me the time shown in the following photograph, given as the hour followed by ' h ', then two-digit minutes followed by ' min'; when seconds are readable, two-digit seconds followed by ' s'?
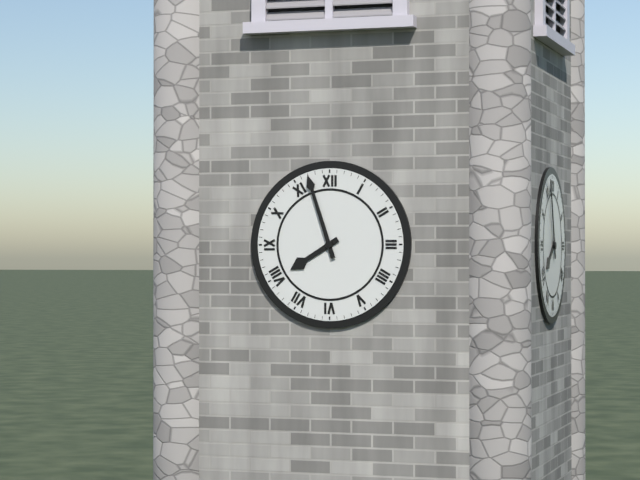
7 h 57 min
